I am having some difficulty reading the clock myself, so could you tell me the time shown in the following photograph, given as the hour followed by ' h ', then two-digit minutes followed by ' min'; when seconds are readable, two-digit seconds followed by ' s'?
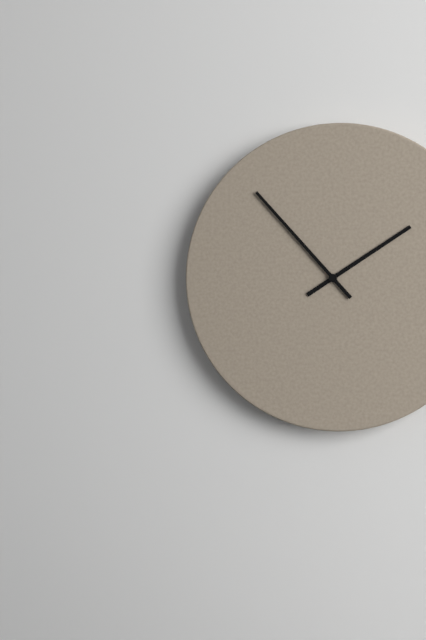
1 h 53 min
